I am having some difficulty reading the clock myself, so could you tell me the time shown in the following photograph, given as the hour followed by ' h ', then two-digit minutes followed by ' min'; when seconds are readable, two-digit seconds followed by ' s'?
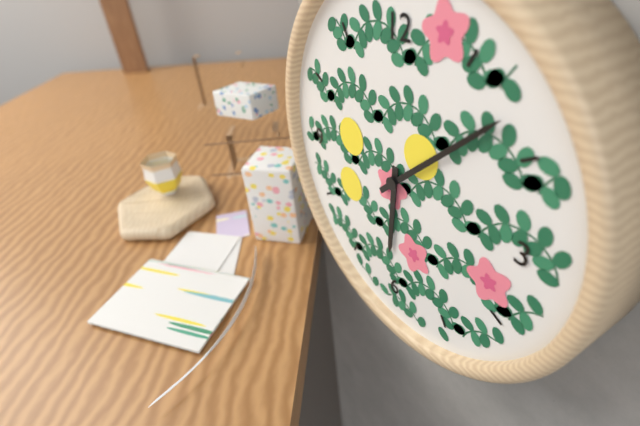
6 h 08 min
